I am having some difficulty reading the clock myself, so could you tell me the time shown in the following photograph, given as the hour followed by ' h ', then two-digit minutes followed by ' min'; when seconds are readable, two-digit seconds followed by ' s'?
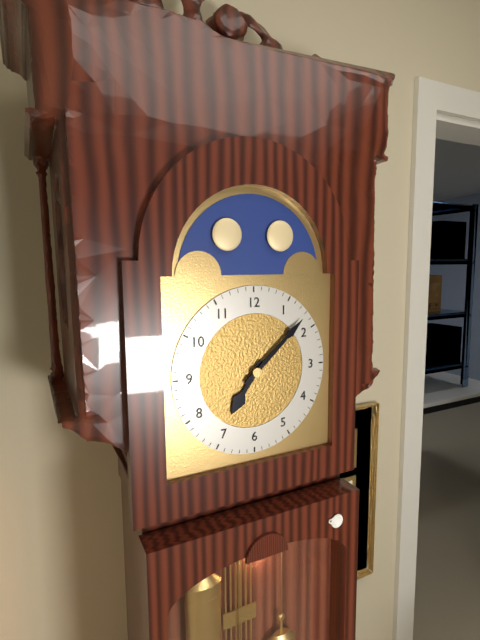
7 h 08 min
